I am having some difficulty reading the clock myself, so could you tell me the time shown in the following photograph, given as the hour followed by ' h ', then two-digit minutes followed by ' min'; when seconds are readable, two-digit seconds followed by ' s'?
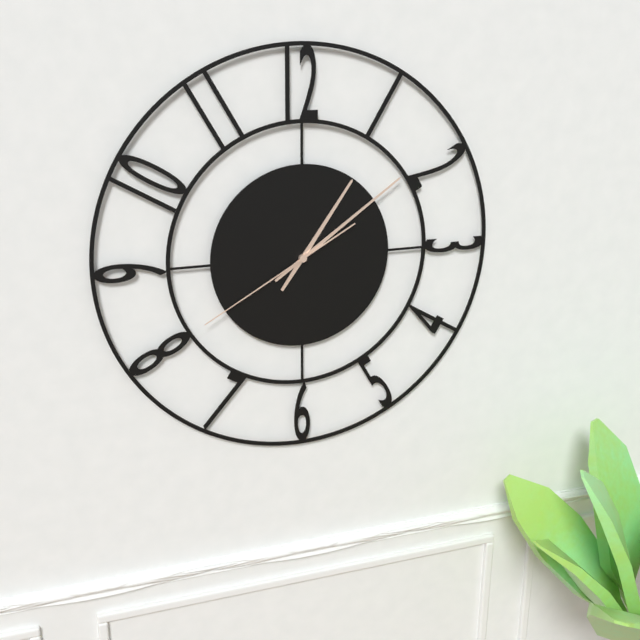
1 h 09 min 40 s
